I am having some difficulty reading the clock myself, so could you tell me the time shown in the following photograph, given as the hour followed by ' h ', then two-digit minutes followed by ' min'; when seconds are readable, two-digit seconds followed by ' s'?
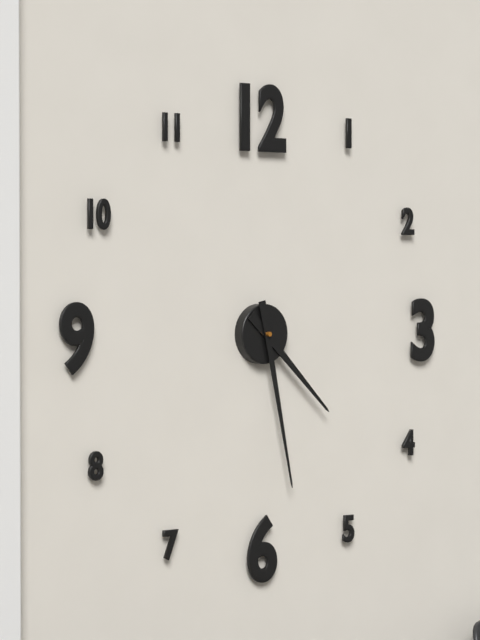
4 h 28 min
